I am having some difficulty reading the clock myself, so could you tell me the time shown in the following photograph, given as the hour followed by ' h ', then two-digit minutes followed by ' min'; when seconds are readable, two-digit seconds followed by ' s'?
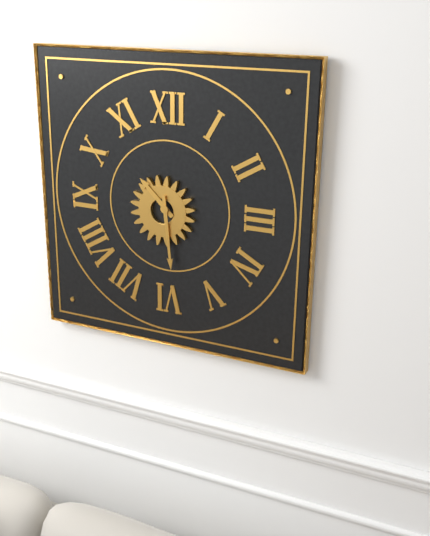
10 h 29 min
